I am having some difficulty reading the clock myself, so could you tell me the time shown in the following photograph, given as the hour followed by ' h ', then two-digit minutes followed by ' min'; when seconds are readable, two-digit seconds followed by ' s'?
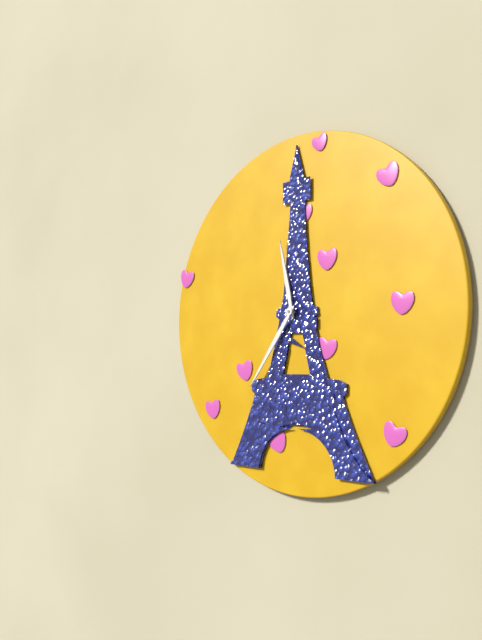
11 h 36 min
